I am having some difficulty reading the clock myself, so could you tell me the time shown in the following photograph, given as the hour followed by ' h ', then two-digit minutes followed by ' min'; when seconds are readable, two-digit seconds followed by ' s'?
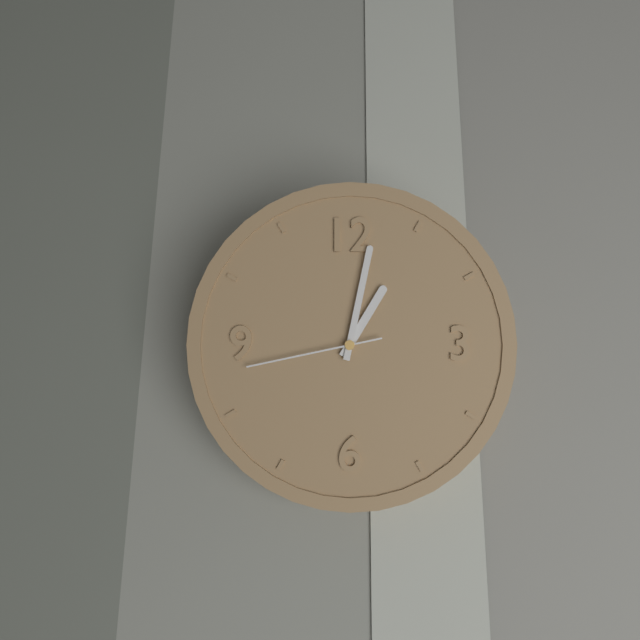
1 h 02 min 43 s
